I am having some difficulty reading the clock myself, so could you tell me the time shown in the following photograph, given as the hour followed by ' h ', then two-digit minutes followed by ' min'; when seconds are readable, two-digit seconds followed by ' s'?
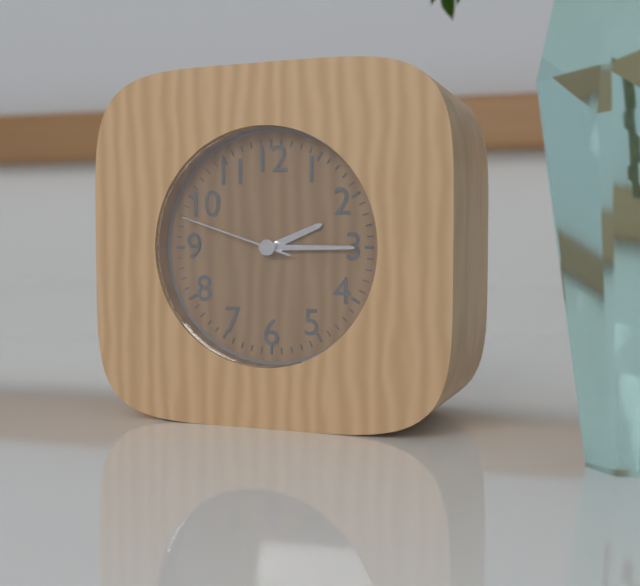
2 h 15 min 48 s
